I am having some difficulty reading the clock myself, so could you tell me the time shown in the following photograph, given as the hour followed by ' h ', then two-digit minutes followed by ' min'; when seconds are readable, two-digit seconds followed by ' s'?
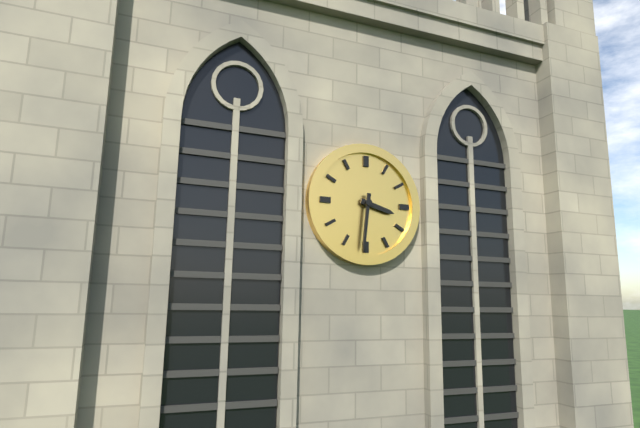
3 h 31 min
